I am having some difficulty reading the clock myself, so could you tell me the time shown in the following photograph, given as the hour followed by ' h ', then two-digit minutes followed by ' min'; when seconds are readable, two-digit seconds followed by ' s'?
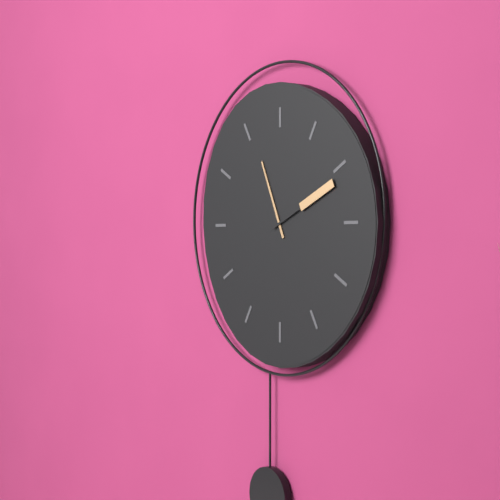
11 h 11 min
